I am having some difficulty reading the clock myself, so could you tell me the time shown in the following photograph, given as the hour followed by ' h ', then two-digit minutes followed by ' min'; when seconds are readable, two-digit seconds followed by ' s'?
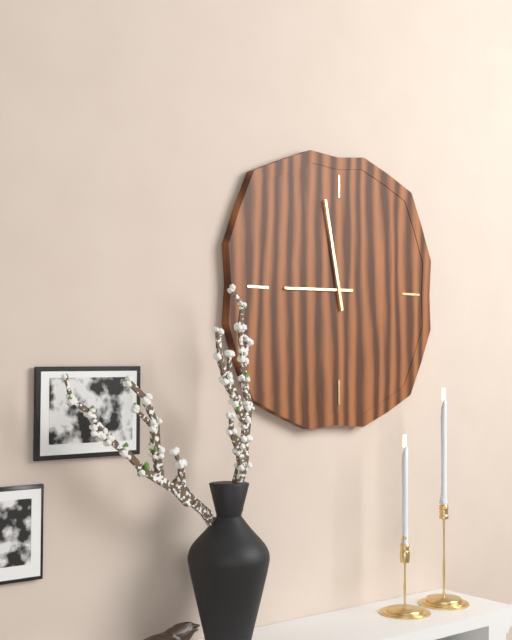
8 h 58 min
